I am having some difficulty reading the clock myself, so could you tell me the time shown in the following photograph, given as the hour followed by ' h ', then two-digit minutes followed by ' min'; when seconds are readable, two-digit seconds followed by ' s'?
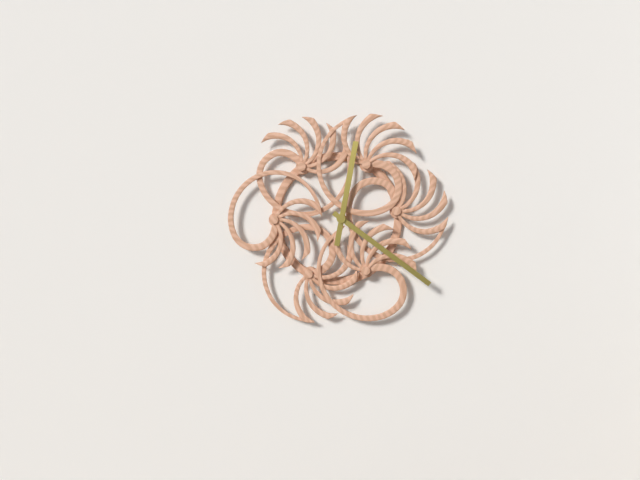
12 h 21 min
